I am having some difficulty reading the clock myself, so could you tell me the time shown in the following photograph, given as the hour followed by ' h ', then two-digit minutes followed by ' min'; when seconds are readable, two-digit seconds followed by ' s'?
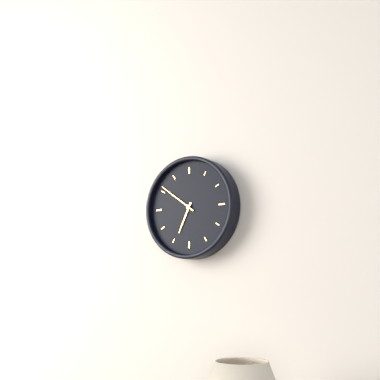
6 h 51 min
